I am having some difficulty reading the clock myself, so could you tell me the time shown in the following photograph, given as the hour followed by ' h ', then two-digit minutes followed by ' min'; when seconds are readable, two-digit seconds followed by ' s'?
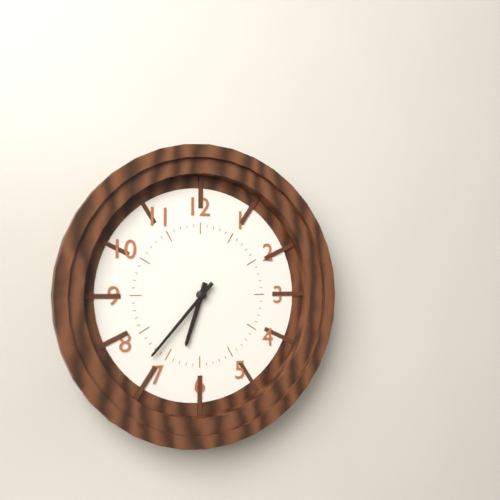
6 h 37 min
